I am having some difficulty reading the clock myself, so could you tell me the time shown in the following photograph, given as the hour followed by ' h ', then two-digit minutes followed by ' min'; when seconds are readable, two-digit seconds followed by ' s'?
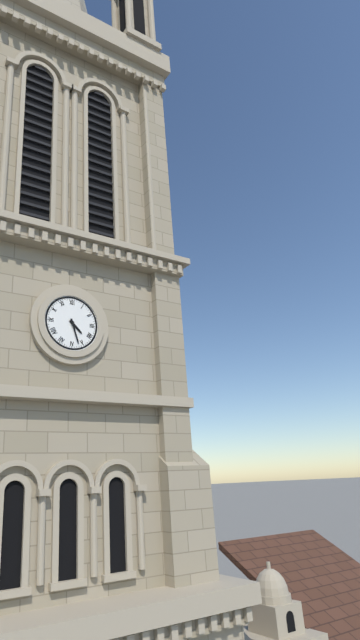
4 h 27 min
